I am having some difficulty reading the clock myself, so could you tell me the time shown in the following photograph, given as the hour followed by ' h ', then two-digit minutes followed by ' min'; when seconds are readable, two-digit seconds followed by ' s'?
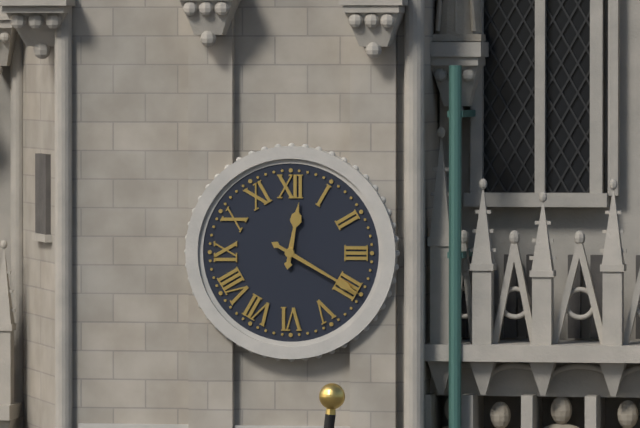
12 h 20 min
